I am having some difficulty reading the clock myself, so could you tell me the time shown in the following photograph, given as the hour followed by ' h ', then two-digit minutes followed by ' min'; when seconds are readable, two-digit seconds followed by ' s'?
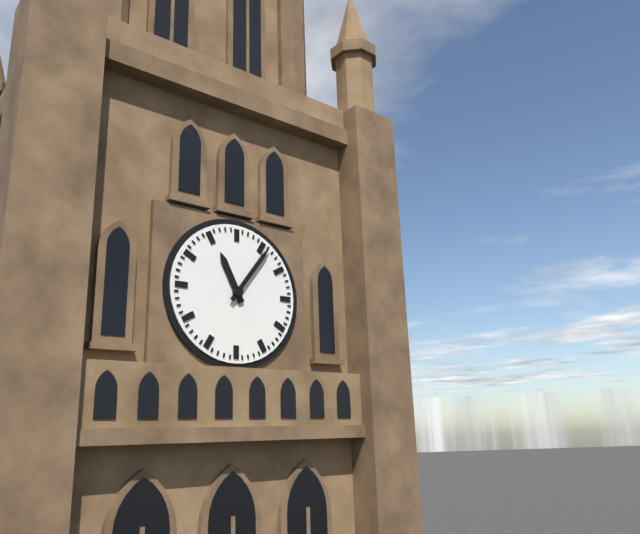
11 h 06 min
